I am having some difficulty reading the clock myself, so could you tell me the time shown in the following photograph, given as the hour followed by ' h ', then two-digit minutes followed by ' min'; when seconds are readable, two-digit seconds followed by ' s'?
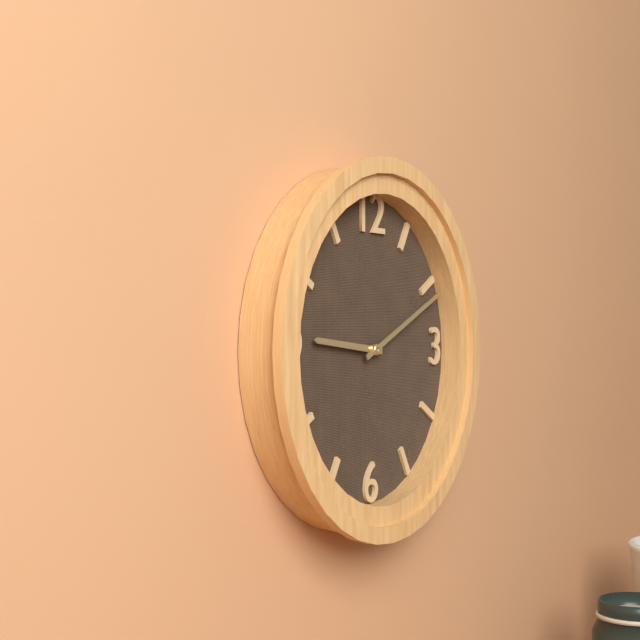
9 h 11 min
